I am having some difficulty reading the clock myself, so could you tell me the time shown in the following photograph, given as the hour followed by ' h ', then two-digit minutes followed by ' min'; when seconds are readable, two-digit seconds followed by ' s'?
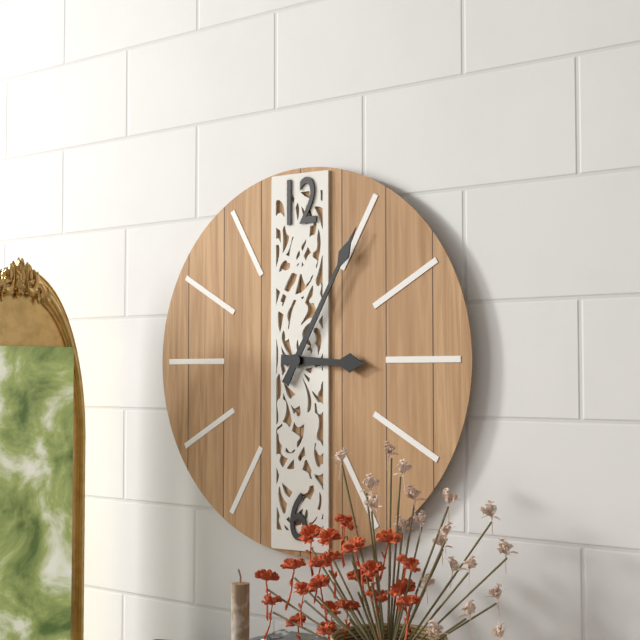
3 h 05 min
